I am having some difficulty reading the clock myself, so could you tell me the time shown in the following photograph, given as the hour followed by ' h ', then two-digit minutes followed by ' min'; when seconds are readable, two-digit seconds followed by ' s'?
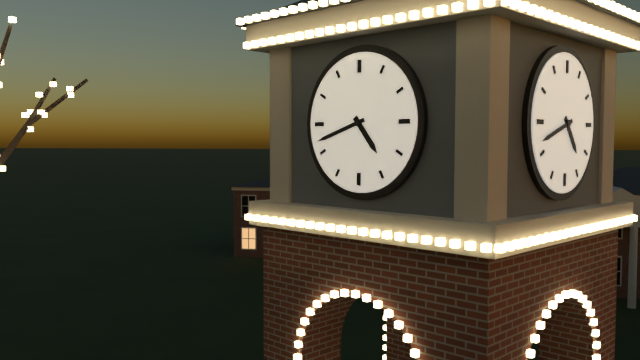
4 h 42 min
